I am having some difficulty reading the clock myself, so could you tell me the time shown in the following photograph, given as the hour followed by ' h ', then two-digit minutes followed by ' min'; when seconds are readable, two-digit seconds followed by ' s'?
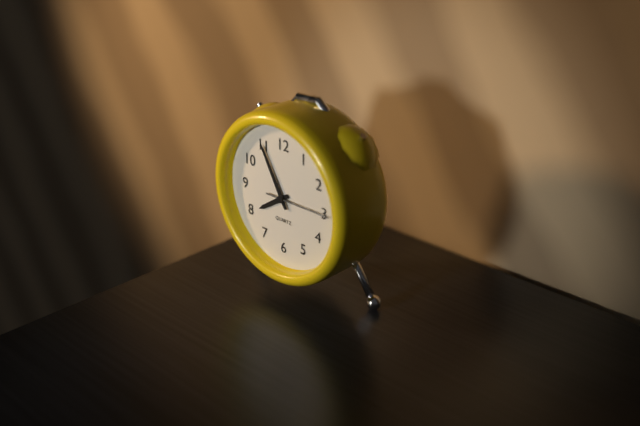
7 h 55 min 15 s
